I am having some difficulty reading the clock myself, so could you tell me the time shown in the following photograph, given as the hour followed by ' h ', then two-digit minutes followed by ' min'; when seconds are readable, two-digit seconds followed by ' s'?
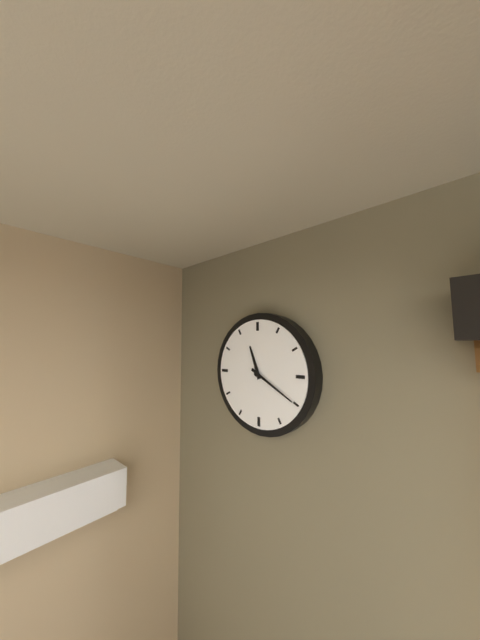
11 h 20 min
